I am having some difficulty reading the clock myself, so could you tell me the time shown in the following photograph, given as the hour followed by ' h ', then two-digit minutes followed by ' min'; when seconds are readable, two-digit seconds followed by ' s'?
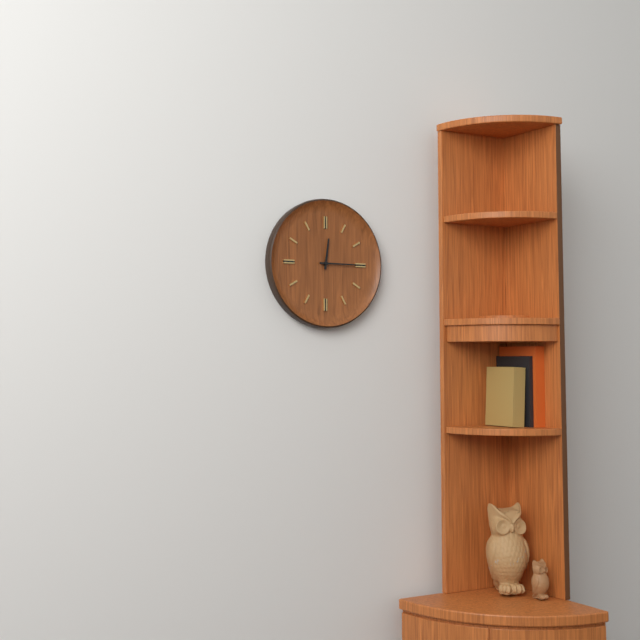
12 h 15 min
